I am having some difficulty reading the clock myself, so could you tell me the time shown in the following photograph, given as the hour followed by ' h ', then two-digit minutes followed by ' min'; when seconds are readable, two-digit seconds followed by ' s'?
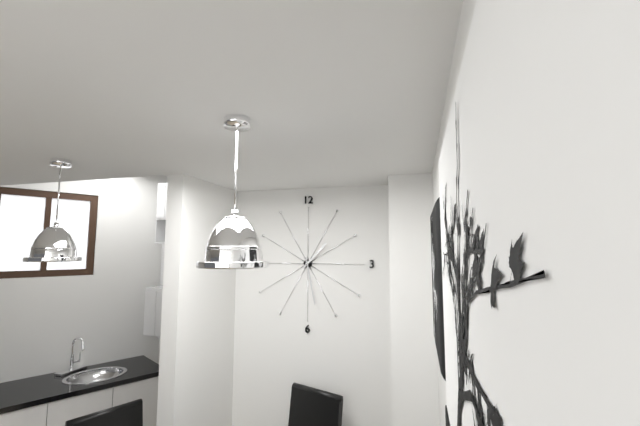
1 h 28 min
